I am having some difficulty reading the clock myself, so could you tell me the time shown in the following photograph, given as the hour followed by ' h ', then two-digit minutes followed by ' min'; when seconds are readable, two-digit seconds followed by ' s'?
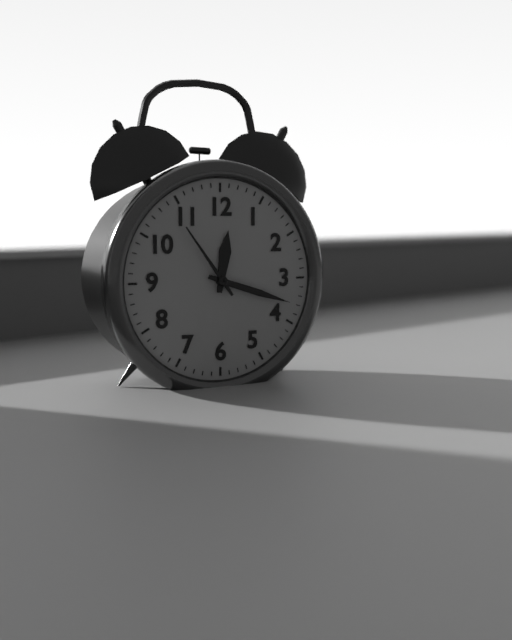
12 h 18 min 54 s
